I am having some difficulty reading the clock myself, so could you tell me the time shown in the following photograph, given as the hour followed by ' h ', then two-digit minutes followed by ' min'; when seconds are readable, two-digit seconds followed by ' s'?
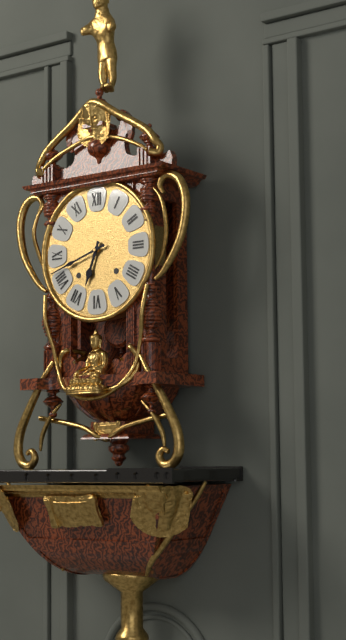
6 h 42 min
